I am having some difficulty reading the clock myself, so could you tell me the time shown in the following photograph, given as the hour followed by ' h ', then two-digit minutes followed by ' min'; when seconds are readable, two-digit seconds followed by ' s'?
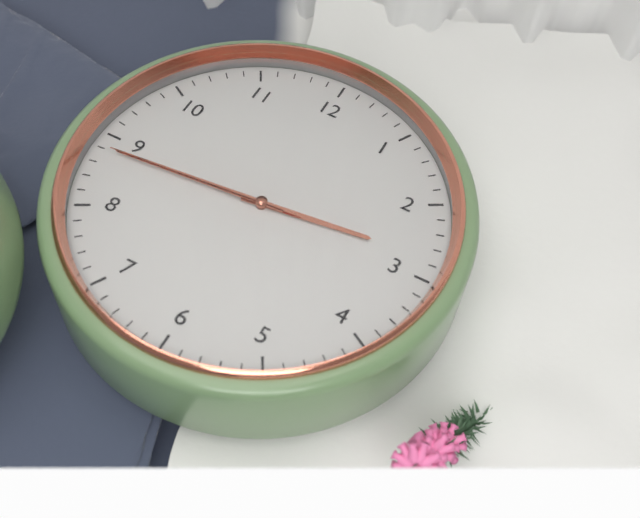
2 h 44 min 44 s
